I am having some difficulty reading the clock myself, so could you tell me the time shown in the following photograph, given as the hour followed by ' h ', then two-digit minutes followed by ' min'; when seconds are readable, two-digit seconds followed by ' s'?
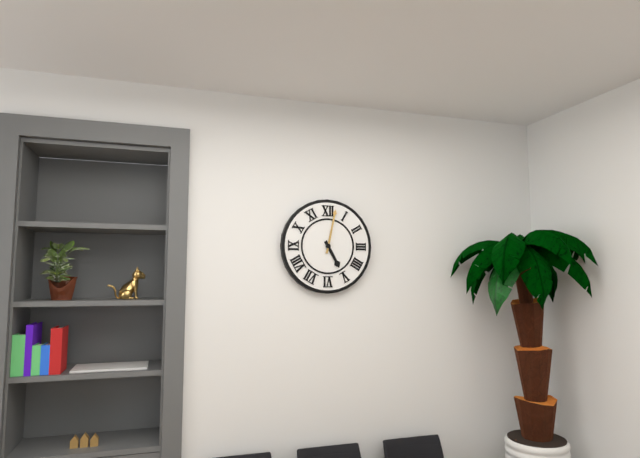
5 h 02 min
